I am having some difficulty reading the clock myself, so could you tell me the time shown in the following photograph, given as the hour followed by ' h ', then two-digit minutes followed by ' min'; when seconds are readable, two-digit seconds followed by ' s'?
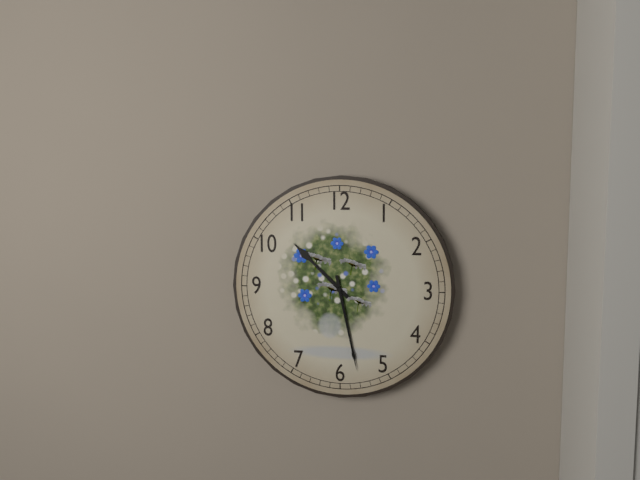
10 h 28 min
